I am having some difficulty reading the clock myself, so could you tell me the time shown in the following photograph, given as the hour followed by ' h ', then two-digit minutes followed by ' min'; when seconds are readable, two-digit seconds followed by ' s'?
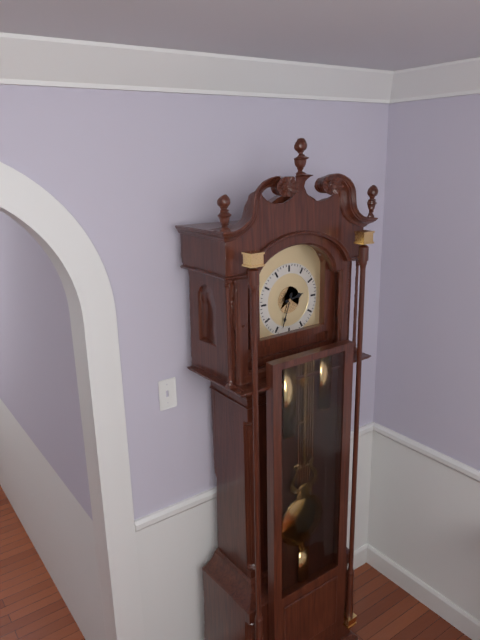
2 h 33 min
